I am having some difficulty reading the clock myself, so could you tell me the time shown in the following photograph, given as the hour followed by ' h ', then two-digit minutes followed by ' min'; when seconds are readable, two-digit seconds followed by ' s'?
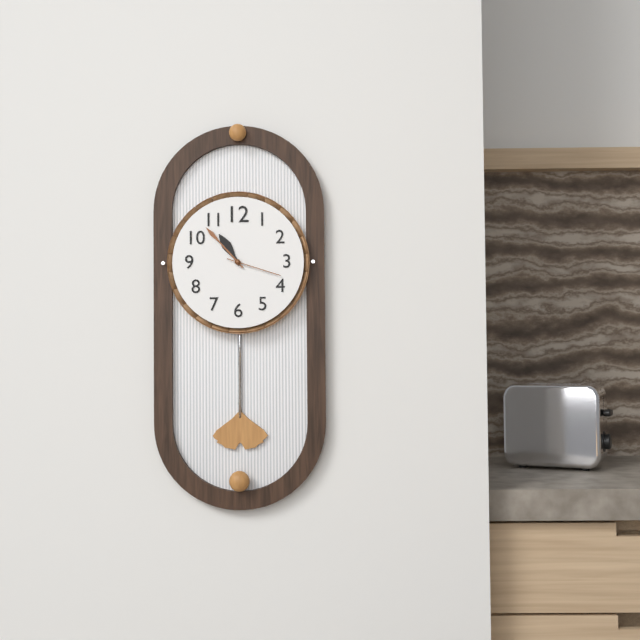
10 h 53 min 18 s
